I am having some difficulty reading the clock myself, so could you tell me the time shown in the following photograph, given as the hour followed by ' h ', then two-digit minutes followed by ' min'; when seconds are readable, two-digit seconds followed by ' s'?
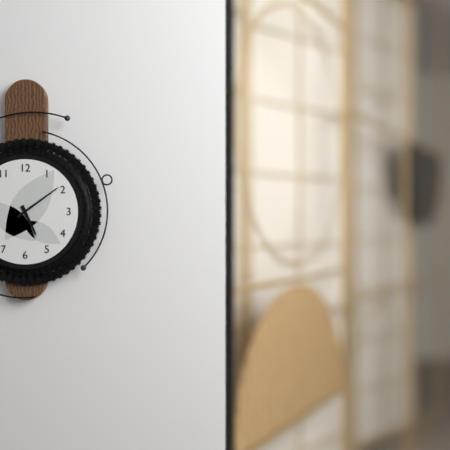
5 h 09 min
